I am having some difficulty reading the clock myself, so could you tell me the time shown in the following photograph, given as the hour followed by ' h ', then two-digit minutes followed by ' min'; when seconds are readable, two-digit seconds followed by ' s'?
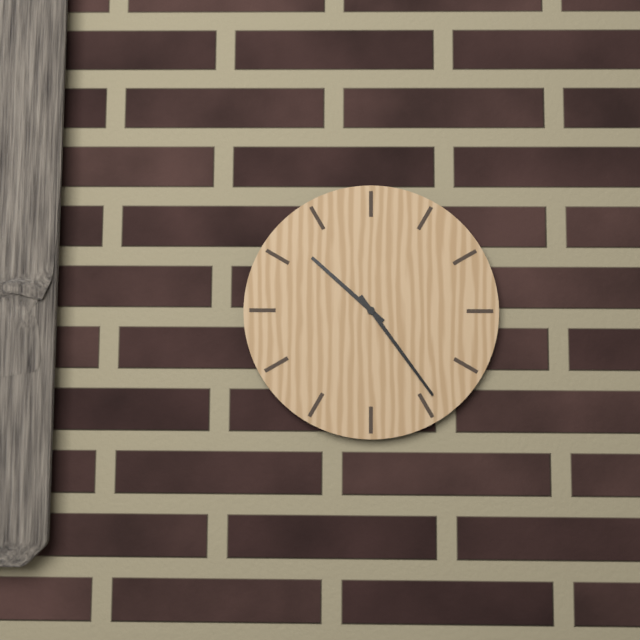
10 h 24 min
